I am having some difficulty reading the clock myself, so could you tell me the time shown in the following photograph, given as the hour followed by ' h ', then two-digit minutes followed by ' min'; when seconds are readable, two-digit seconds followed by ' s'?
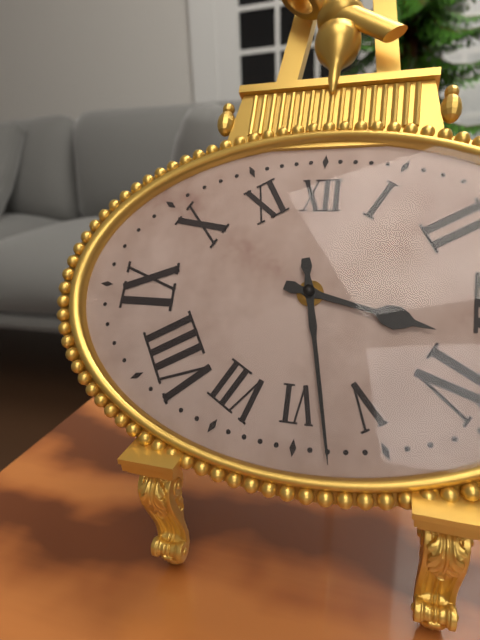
3 h 28 min
